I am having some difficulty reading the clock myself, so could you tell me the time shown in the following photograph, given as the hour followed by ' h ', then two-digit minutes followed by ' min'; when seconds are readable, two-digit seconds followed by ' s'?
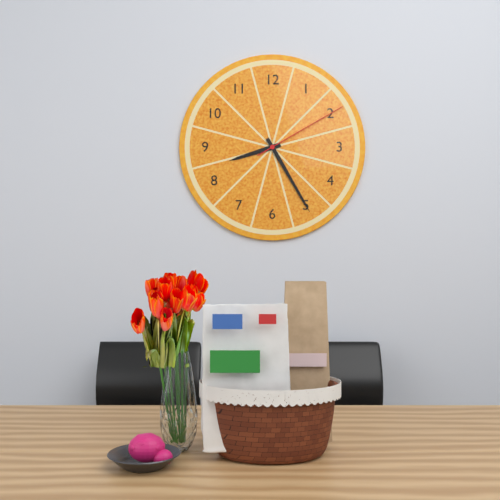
8 h 25 min 10 s
